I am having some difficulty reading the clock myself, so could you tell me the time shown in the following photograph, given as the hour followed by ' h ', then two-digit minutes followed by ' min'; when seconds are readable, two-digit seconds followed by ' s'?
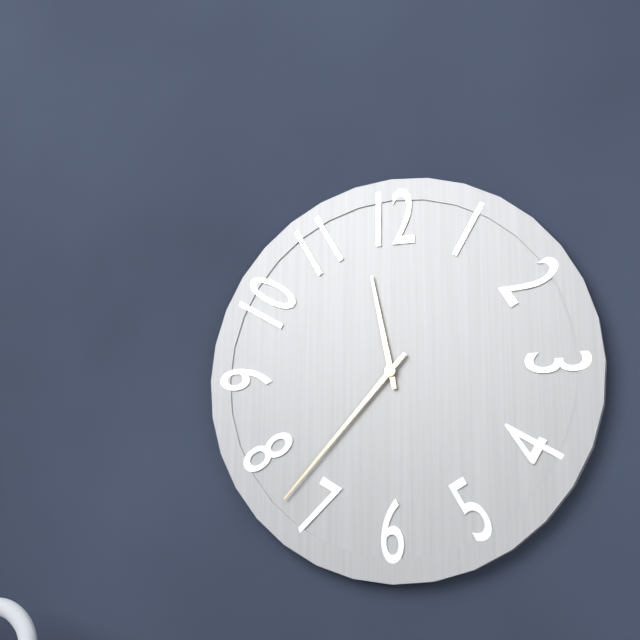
11 h 37 min
